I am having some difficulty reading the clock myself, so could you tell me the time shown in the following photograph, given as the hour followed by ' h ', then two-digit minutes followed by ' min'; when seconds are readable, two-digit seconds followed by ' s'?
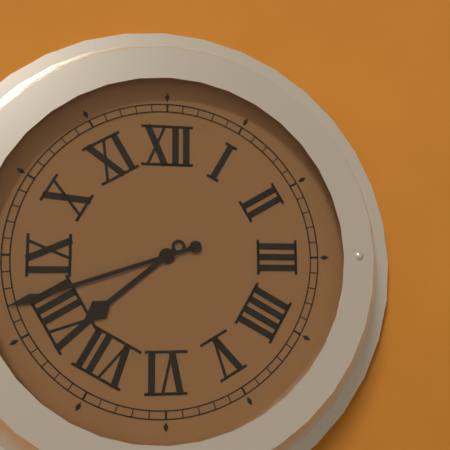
7 h 42 min
